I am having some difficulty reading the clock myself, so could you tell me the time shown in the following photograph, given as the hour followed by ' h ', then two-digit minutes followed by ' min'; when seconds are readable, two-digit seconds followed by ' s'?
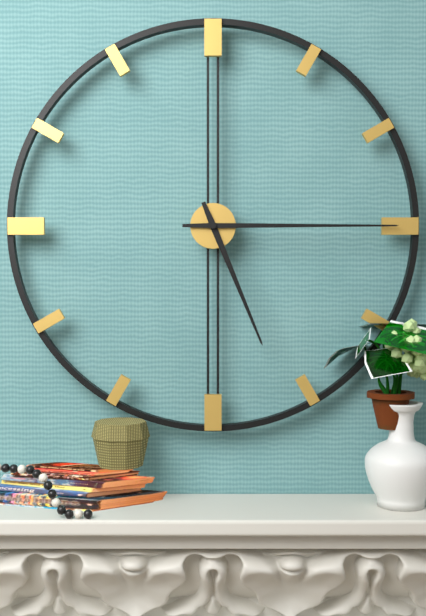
5 h 15 min
